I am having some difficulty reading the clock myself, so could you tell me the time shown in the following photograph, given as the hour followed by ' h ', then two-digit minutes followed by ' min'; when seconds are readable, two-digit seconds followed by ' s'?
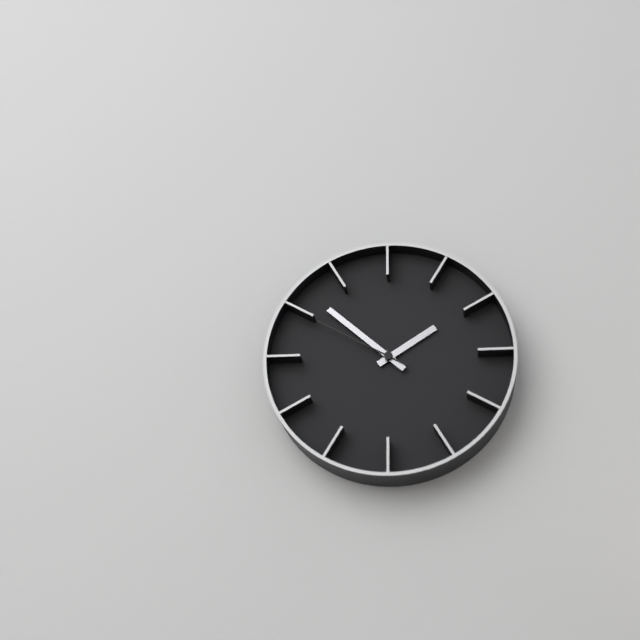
1 h 52 min 50 s
